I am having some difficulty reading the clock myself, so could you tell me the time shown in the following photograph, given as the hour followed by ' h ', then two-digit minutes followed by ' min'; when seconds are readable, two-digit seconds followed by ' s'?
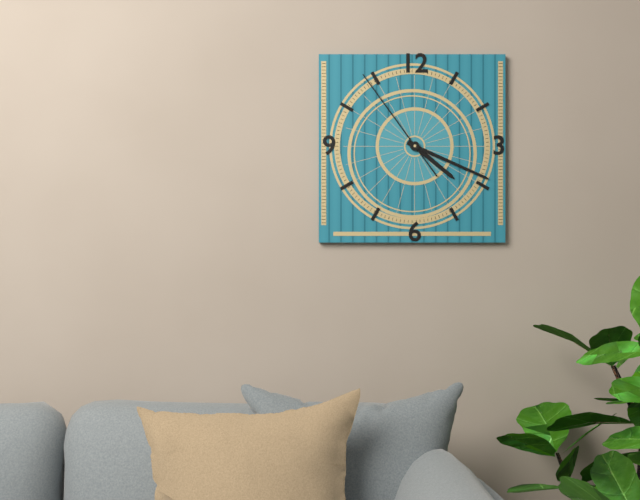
4 h 19 min 54 s
